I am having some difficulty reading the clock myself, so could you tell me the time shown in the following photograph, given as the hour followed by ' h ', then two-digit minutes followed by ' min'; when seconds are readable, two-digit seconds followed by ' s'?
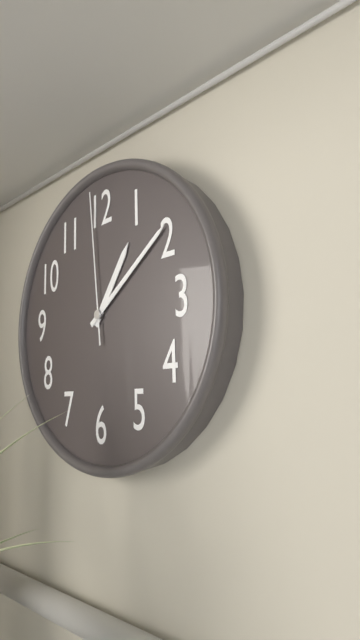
1 h 09 min 59 s
